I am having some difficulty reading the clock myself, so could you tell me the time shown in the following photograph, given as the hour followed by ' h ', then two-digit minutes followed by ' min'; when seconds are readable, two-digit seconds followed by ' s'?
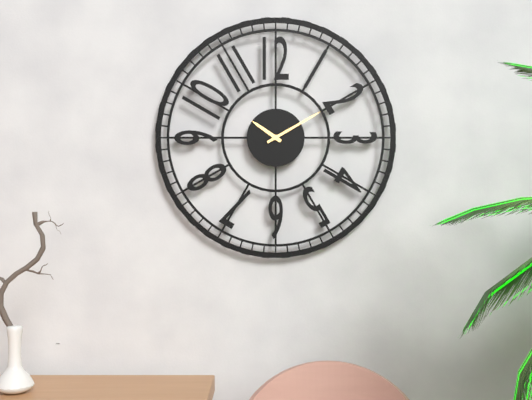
10 h 10 min
